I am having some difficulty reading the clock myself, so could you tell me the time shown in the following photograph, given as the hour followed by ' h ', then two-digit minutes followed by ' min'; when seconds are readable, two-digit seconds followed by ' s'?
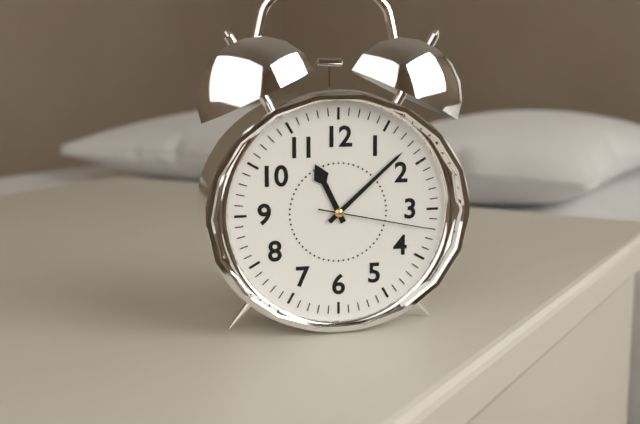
11 h 08 min 17 s
